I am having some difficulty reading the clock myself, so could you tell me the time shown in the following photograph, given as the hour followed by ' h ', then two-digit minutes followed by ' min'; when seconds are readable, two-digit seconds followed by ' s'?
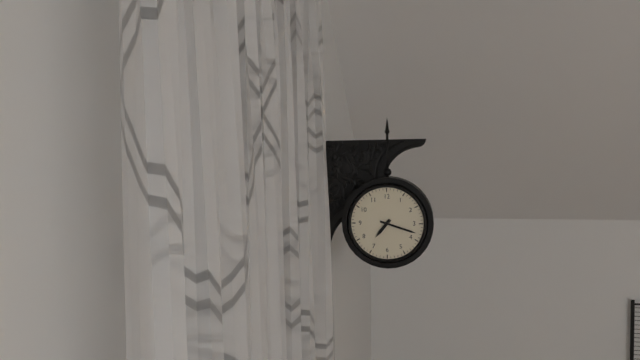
7 h 18 min
